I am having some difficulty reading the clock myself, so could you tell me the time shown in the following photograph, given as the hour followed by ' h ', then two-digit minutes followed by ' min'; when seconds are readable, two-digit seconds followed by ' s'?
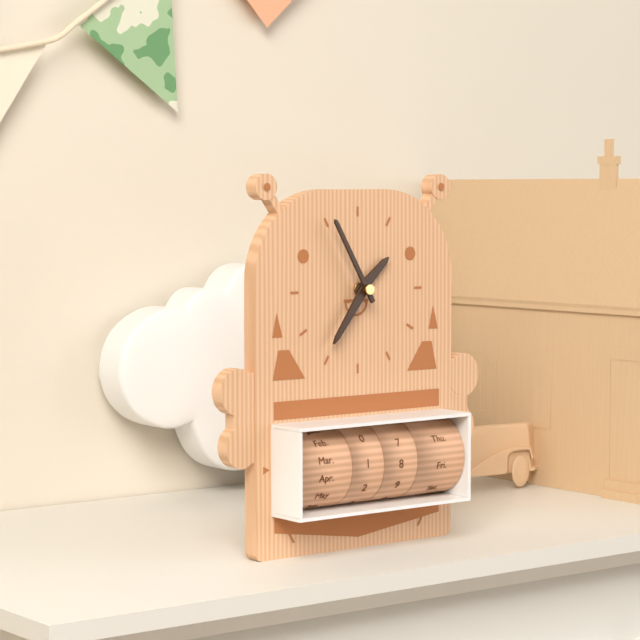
1 h 36 min 55 s
